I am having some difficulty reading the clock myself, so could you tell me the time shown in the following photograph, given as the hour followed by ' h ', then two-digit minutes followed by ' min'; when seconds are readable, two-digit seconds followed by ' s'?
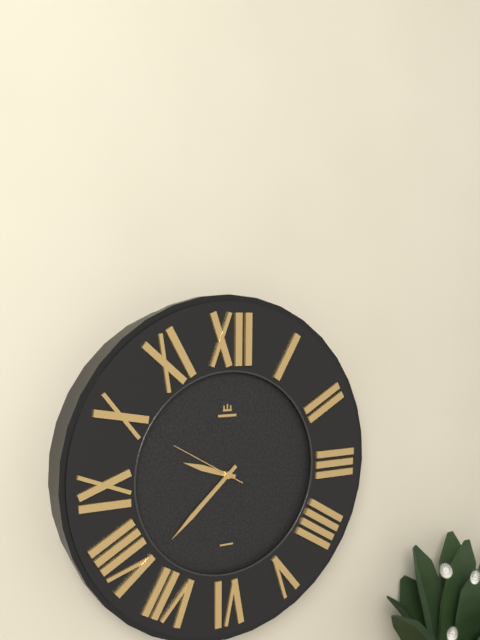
9 h 38 min
